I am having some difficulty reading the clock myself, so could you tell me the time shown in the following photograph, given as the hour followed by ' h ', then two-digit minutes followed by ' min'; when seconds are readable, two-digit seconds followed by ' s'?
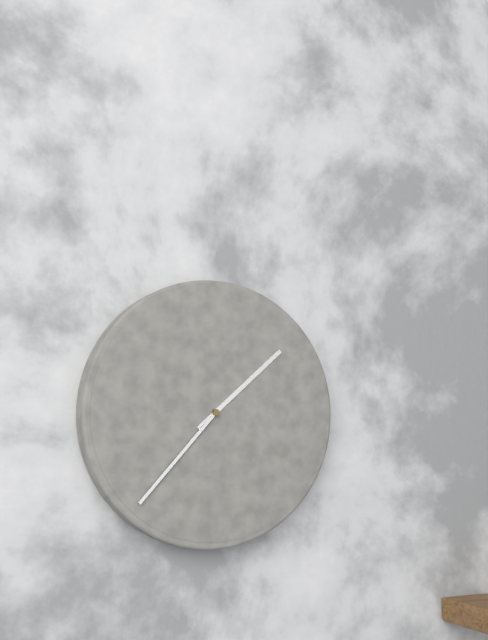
1 h 37 min
